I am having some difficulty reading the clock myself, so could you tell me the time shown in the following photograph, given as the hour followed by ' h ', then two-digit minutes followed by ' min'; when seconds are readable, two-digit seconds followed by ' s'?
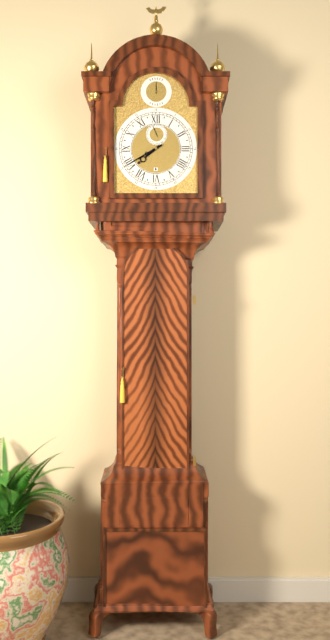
7 h 40 min
